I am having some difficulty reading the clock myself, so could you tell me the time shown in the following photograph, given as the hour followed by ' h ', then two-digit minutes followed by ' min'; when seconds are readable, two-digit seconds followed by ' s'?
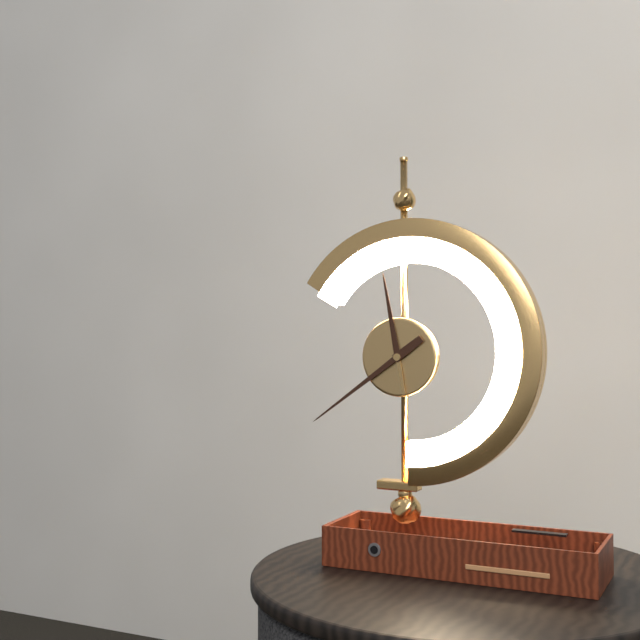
11 h 39 min
